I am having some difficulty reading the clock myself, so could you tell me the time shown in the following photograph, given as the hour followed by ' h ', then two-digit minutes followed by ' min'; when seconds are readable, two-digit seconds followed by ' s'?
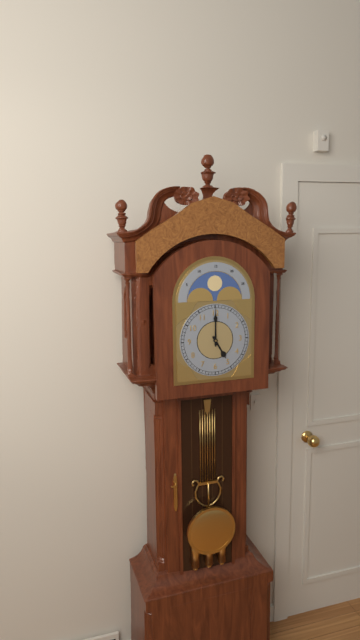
5 h 00 min
